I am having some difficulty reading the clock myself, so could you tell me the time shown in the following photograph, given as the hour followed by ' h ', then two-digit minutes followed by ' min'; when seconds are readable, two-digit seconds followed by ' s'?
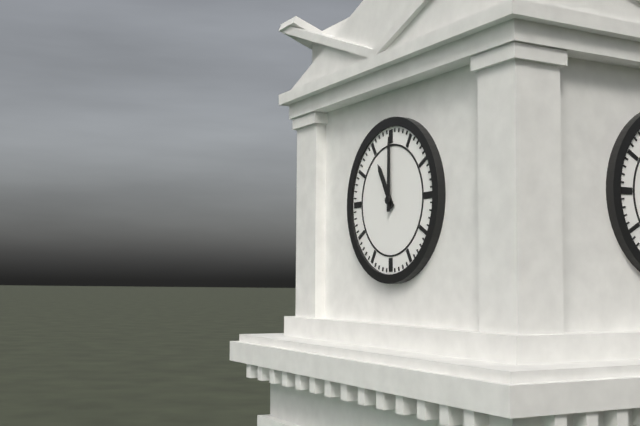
11 h 00 min
